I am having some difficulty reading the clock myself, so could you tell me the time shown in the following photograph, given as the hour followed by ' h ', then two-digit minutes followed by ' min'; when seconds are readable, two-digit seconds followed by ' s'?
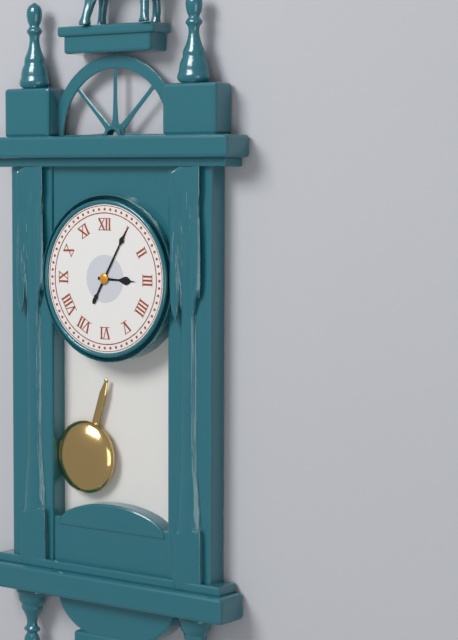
3 h 05 min
